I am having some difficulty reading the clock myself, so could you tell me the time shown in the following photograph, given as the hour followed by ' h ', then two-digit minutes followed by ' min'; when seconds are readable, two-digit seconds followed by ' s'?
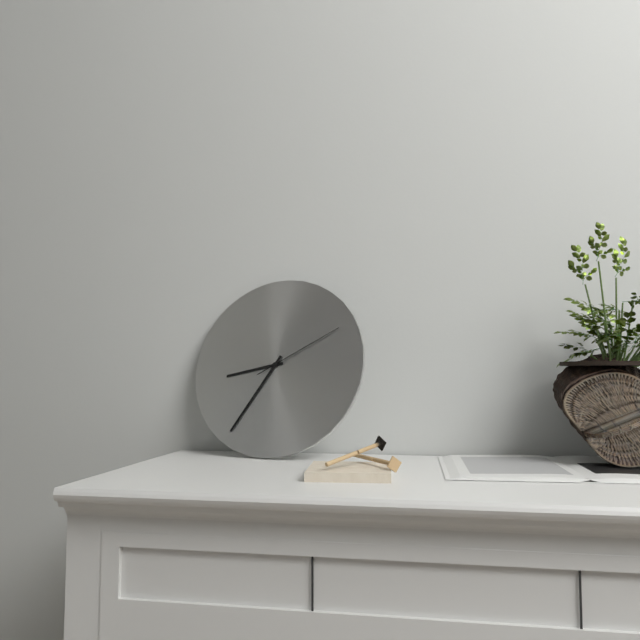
8 h 35 min 10 s
